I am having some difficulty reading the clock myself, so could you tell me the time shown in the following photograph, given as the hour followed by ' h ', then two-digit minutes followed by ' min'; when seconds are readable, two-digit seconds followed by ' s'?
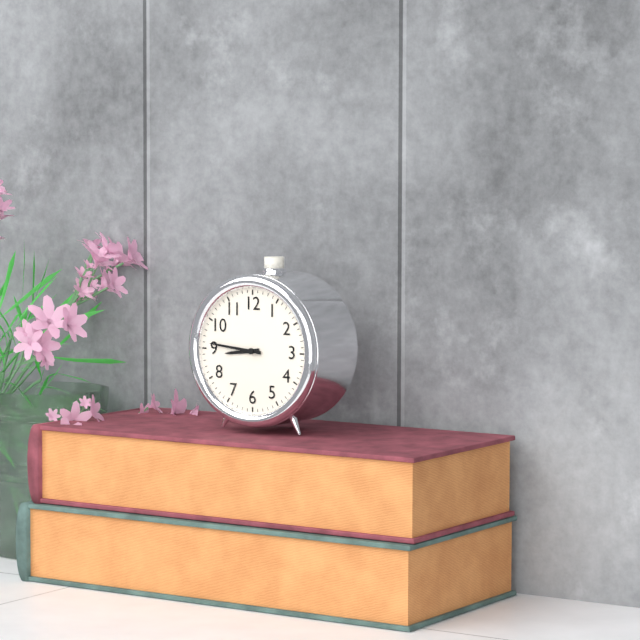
8 h 46 min
